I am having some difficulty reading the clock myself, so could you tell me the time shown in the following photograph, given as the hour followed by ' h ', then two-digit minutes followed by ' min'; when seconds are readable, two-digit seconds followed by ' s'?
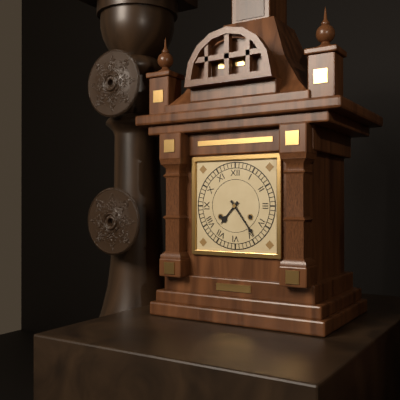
7 h 24 min
